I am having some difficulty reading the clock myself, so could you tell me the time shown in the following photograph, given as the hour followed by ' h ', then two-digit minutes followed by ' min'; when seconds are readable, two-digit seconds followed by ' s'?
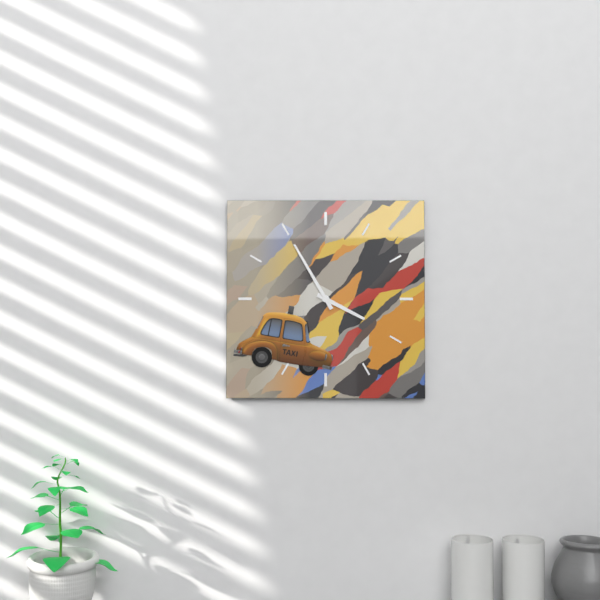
3 h 55 min
